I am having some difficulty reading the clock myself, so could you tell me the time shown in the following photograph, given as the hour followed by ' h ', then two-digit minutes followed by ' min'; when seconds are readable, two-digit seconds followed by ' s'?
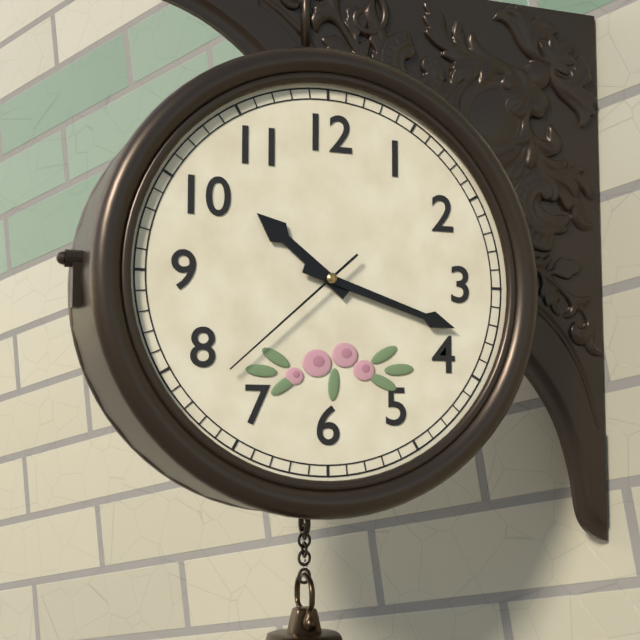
10 h 18 min 38 s
